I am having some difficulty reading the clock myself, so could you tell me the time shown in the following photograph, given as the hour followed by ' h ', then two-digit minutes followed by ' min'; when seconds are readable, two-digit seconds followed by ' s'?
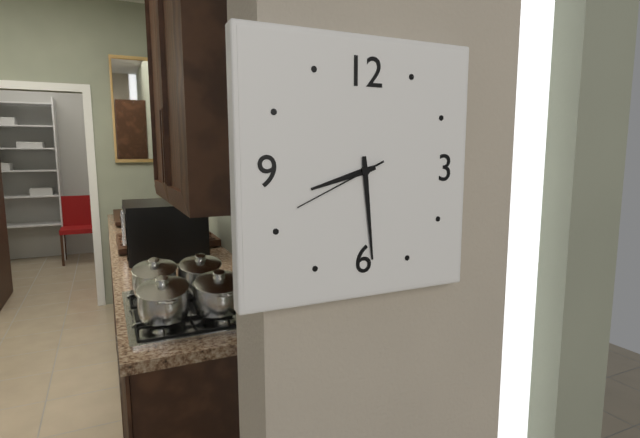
8 h 29 min 41 s
